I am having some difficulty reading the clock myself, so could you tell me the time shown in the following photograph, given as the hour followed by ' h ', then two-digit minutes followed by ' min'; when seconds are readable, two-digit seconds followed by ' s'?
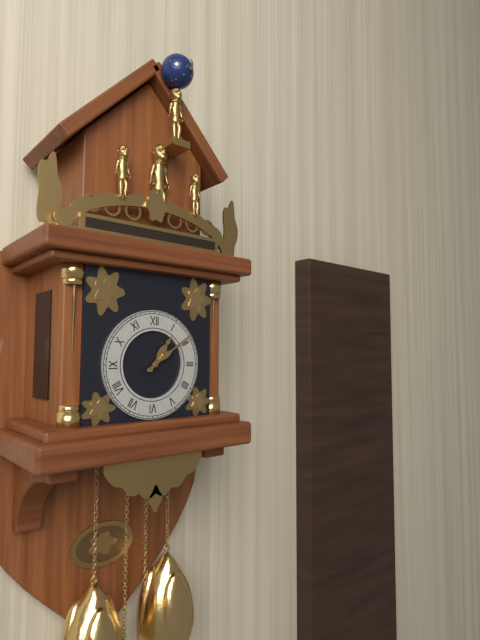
1 h 09 min
